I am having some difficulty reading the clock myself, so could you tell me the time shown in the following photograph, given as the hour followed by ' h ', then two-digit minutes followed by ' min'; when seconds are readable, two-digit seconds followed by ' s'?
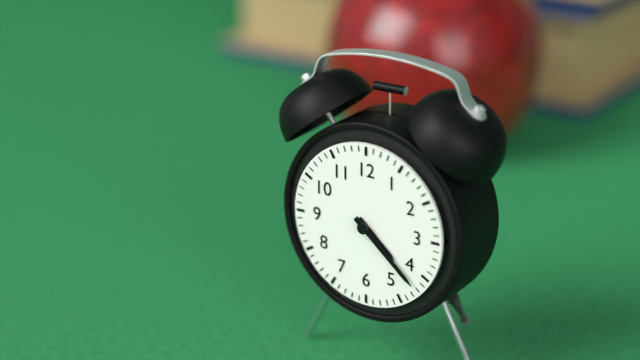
4 h 22 min
